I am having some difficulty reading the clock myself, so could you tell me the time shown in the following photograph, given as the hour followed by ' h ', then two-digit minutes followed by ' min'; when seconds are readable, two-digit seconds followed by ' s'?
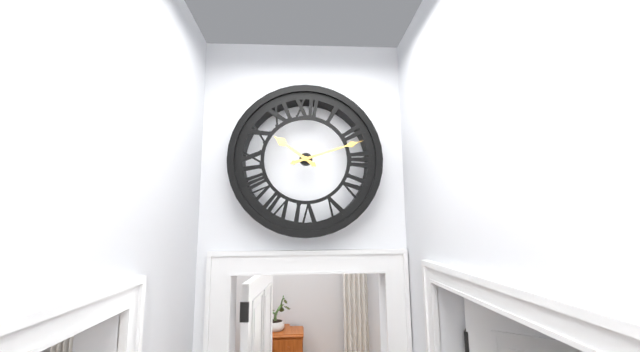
10 h 12 min
